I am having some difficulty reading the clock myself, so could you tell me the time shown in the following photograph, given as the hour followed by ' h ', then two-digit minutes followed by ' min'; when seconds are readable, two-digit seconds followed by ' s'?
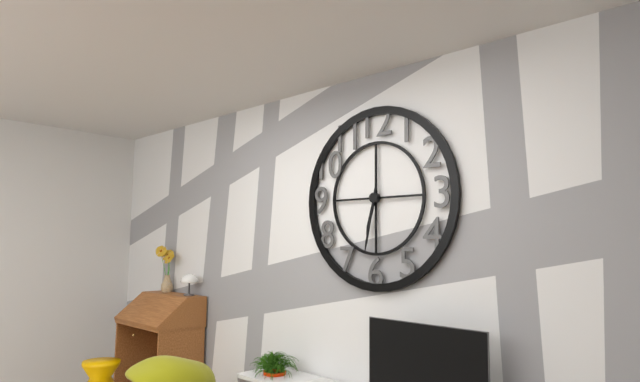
6 h 32 min
